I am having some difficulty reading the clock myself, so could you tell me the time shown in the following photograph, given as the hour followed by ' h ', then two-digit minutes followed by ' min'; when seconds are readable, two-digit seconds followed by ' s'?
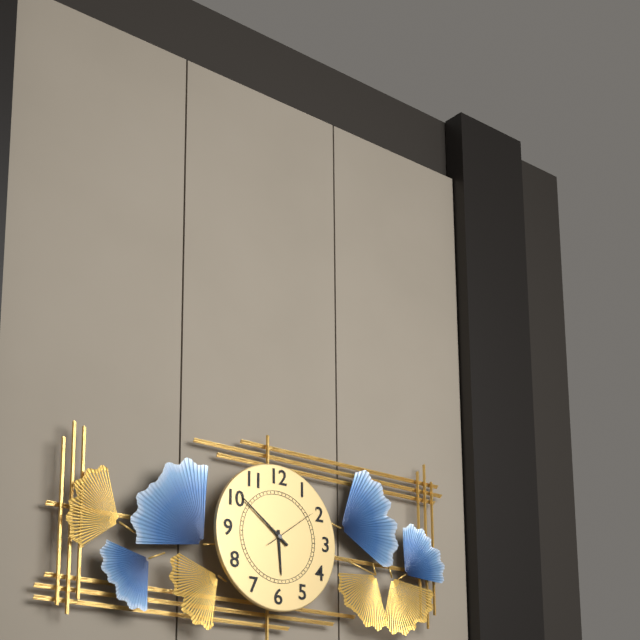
5 h 51 min 09 s
